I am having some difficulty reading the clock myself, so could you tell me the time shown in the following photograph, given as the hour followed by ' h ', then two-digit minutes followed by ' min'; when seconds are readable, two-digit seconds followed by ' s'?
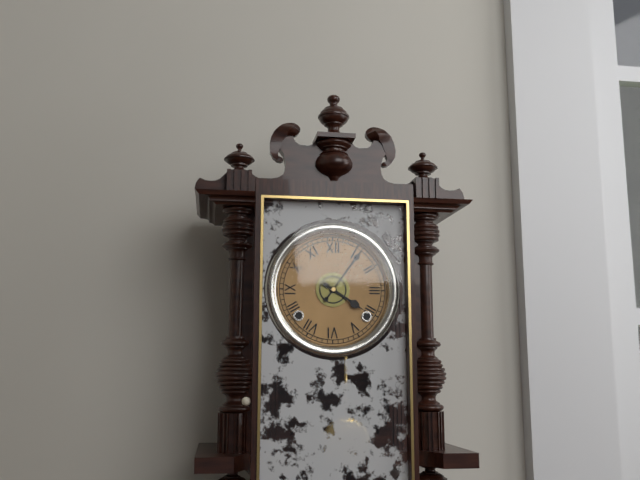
4 h 06 min
